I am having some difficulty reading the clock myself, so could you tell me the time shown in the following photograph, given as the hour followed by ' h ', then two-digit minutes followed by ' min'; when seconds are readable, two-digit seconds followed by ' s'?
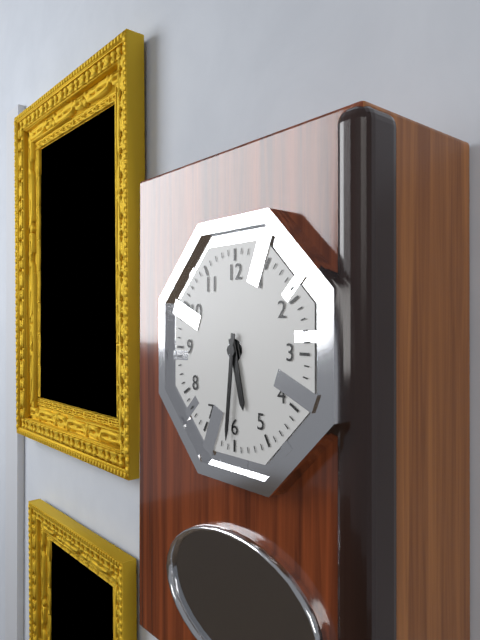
5 h 31 min
